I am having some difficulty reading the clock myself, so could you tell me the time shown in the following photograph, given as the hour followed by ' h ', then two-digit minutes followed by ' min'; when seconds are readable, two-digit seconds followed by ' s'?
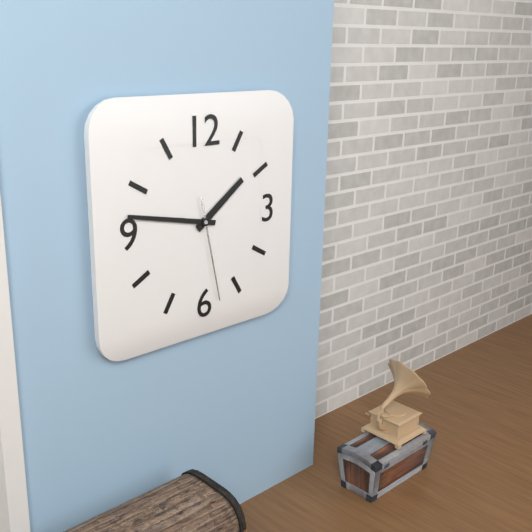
1 h 47 min 28 s
